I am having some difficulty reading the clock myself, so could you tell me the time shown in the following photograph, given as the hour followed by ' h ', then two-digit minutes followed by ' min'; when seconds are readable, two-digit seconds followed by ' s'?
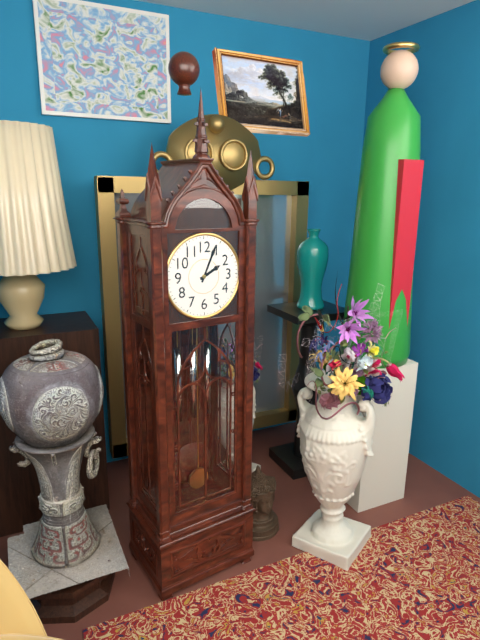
2 h 04 min
